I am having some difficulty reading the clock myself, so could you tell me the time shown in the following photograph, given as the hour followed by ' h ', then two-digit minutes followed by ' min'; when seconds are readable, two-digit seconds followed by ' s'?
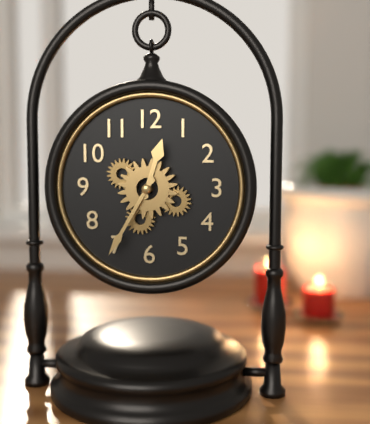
12 h 35 min
